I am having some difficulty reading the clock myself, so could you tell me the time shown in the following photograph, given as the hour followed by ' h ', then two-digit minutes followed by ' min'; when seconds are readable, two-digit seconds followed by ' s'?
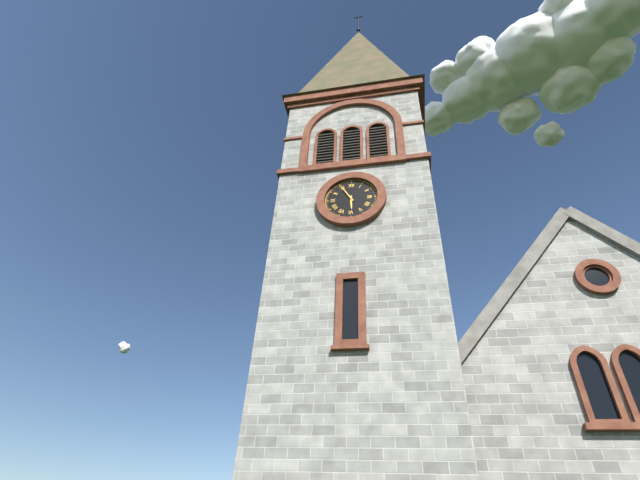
5 h 55 min
